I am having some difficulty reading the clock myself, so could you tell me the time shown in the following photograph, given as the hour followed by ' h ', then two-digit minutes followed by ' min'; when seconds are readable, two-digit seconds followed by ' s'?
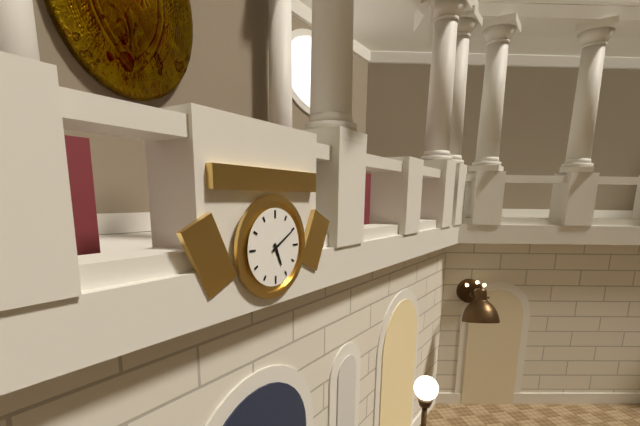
5 h 10 min
